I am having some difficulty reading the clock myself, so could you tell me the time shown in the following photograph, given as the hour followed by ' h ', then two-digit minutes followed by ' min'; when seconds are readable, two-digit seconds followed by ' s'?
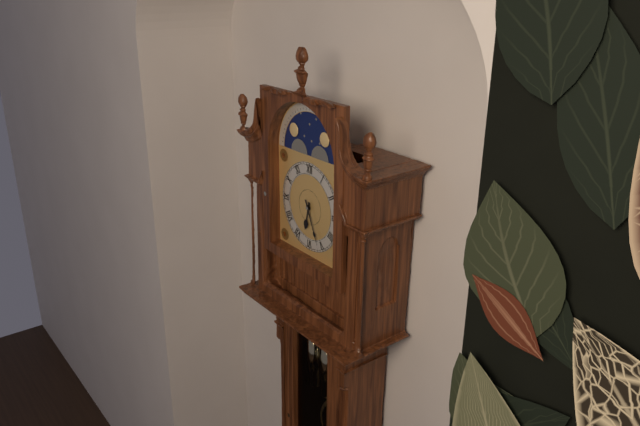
6 h 26 min
